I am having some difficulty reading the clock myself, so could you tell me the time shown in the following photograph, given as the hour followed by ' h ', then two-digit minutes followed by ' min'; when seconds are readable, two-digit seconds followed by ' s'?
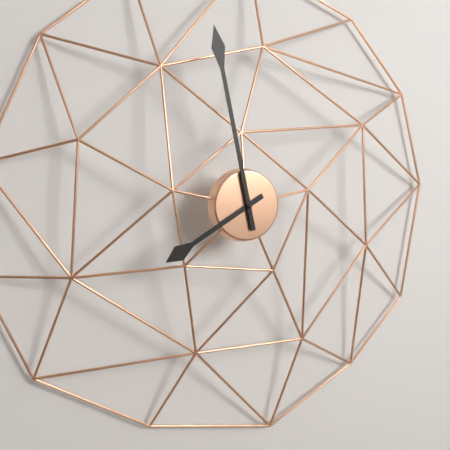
7 h 58 min
